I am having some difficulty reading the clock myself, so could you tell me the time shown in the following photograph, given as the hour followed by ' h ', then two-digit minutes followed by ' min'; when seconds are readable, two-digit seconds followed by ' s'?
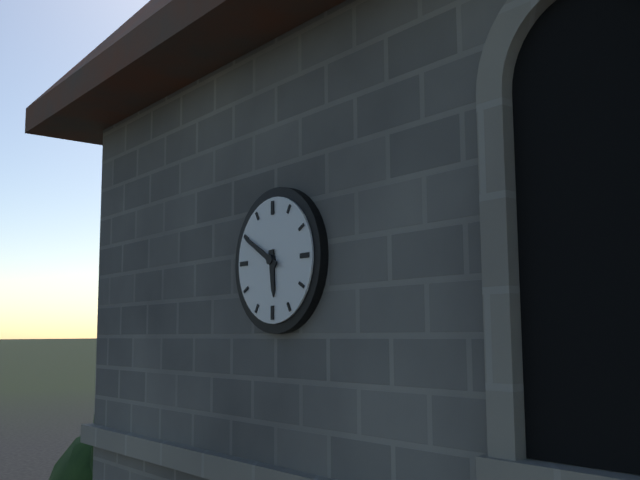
5 h 50 min
